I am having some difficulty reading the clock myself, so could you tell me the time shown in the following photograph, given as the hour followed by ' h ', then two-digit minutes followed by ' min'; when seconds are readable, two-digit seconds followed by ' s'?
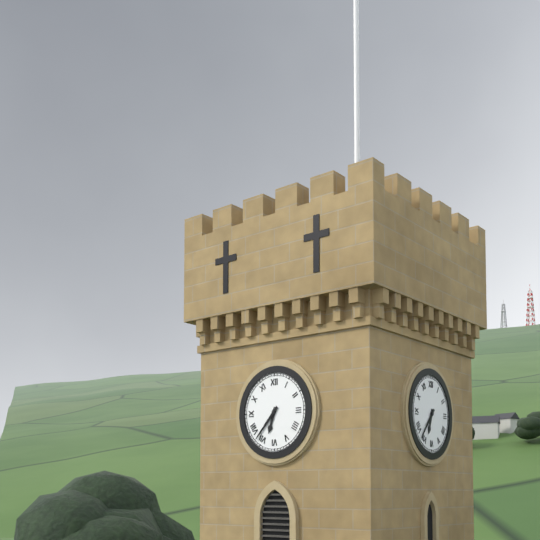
6 h 37 min
